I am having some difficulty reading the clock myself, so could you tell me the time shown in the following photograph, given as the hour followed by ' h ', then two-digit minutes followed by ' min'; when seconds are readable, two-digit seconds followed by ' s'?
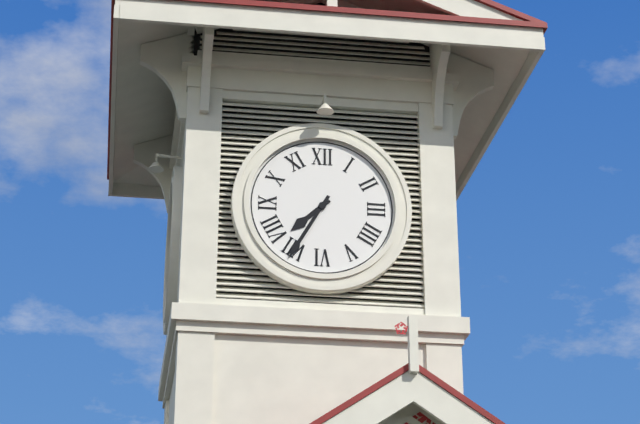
7 h 35 min
